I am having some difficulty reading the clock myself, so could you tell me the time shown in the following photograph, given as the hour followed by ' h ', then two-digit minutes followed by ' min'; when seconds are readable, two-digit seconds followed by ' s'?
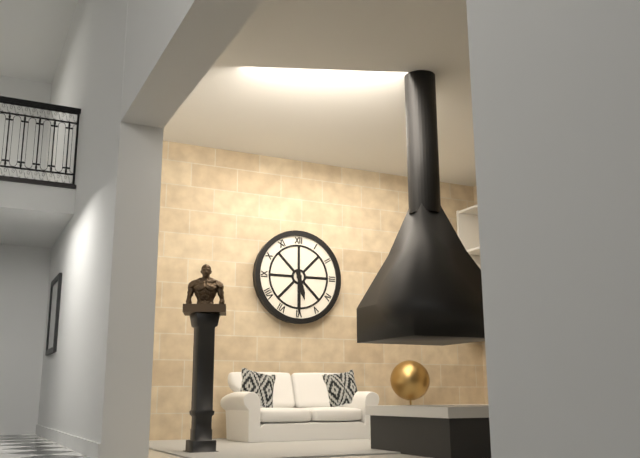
5 h 30 min
